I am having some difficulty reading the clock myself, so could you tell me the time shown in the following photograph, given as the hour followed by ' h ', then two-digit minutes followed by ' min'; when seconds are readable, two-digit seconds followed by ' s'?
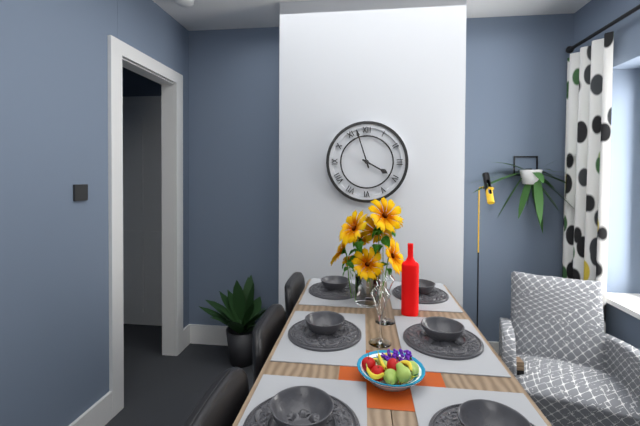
3 h 57 min
